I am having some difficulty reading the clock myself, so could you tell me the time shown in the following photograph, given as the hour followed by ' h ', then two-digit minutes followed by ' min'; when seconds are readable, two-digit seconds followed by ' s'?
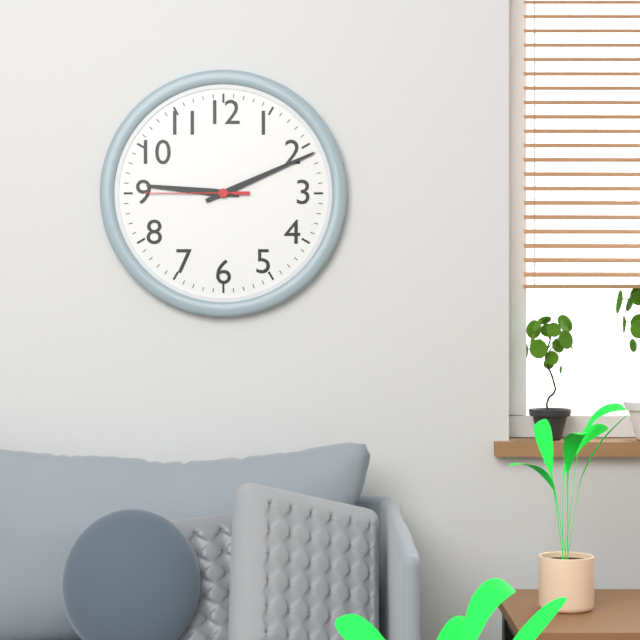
9 h 11 min 45 s
